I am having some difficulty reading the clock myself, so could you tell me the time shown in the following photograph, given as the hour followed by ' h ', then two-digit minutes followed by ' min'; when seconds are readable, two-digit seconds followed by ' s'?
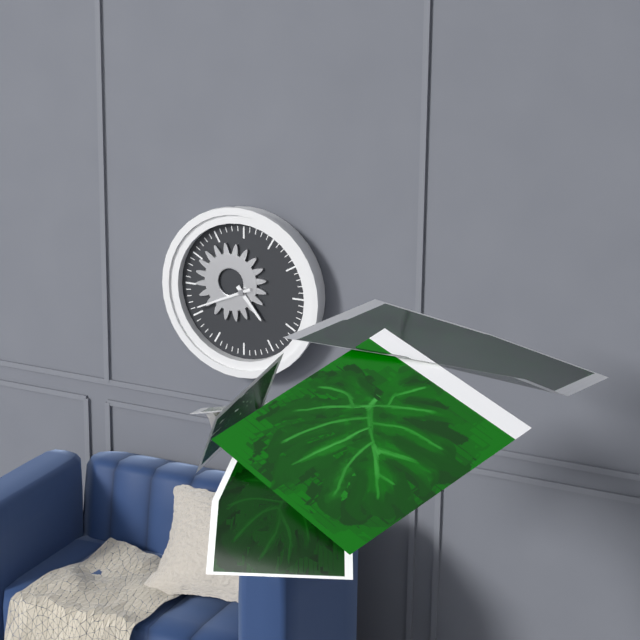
4 h 41 min
